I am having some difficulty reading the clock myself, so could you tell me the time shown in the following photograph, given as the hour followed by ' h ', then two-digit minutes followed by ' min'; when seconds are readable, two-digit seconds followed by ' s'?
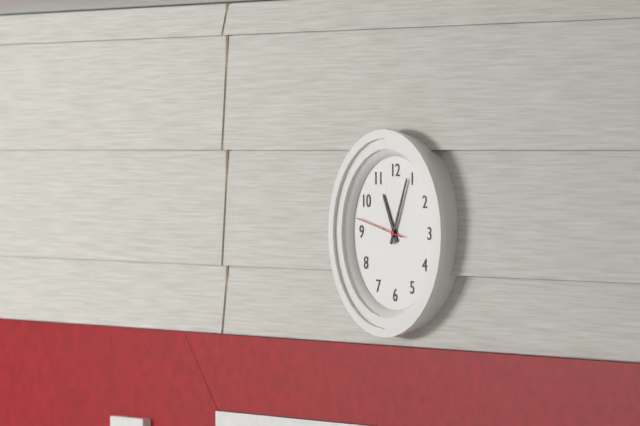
11 h 04 min 47 s
